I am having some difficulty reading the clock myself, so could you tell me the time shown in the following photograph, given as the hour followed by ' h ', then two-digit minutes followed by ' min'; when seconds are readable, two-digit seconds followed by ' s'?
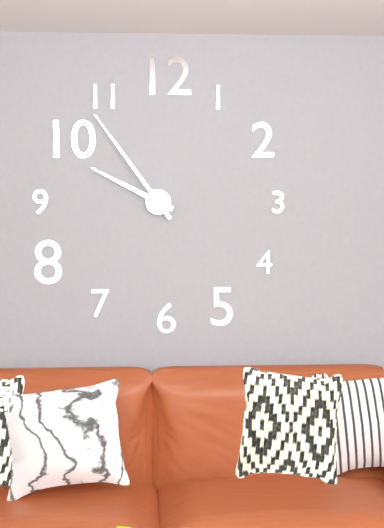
9 h 54 min
